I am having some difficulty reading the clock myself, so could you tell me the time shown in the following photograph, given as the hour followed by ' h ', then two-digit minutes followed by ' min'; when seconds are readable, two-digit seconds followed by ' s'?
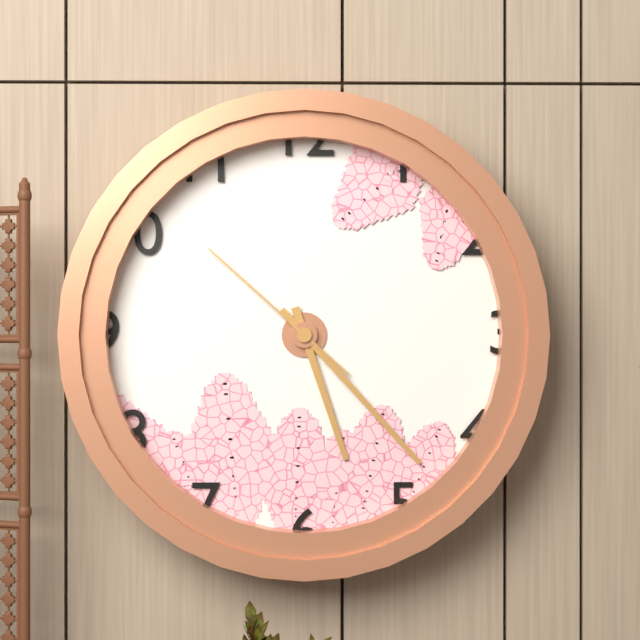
5 h 23 min 52 s
